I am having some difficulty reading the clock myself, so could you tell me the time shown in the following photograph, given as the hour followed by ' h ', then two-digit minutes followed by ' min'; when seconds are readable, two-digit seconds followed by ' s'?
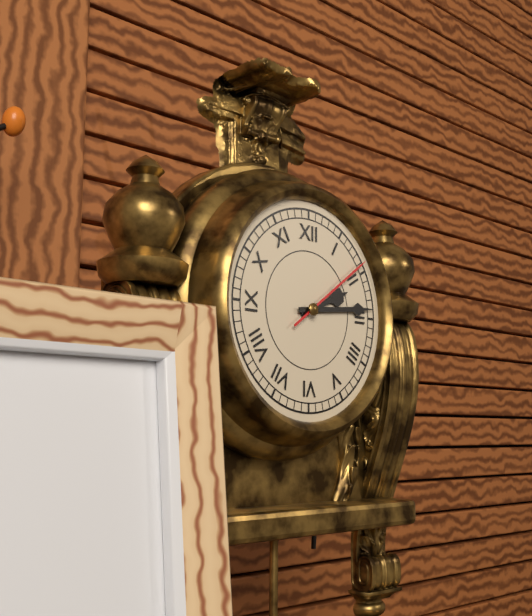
2 h 14 min 09 s
